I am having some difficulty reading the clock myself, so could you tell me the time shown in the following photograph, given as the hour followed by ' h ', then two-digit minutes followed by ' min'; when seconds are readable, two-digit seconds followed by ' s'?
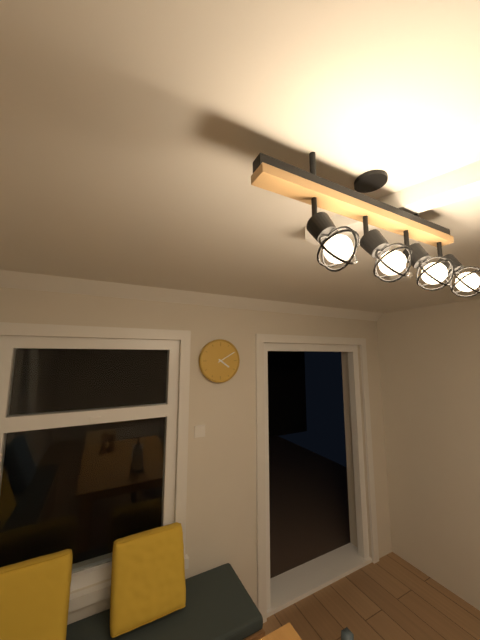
4 h 10 min
